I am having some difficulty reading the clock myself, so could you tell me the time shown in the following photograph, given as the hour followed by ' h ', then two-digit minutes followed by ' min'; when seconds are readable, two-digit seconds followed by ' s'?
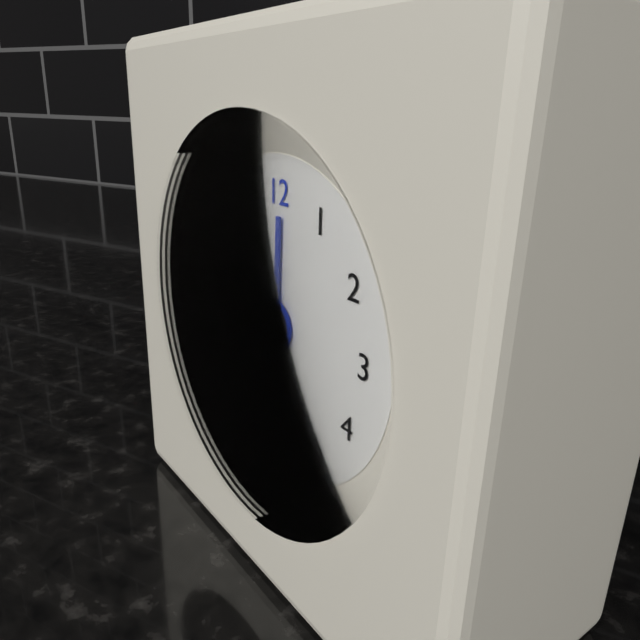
7 h 51 min
